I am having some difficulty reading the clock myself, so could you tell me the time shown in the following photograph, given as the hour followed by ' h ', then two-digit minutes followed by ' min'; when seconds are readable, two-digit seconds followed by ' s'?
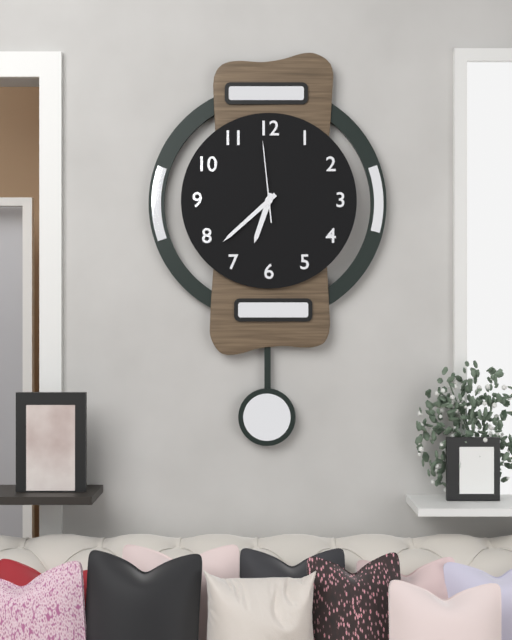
6 h 38 min 59 s
